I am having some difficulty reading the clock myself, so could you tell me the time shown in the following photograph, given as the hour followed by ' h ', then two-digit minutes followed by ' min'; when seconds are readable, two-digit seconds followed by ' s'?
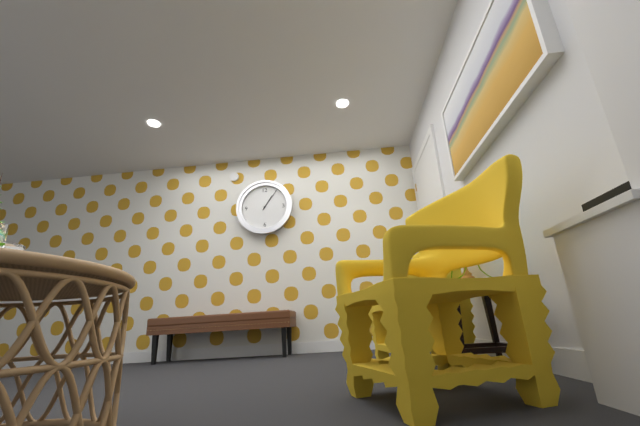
1 h 06 min
